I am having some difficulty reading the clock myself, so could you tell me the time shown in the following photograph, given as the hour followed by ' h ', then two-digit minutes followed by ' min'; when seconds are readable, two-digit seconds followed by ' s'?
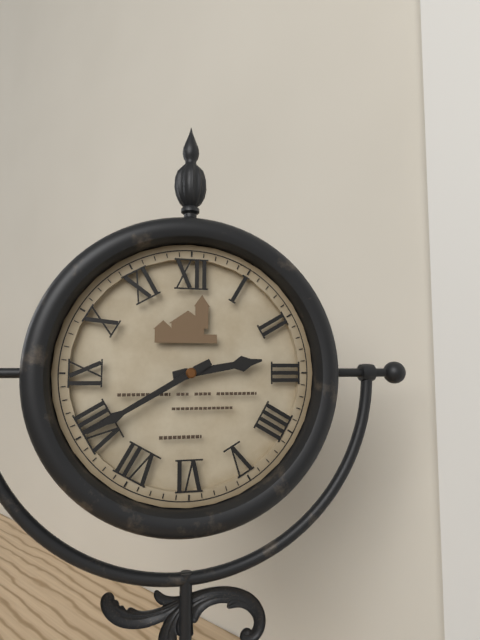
2 h 40 min
